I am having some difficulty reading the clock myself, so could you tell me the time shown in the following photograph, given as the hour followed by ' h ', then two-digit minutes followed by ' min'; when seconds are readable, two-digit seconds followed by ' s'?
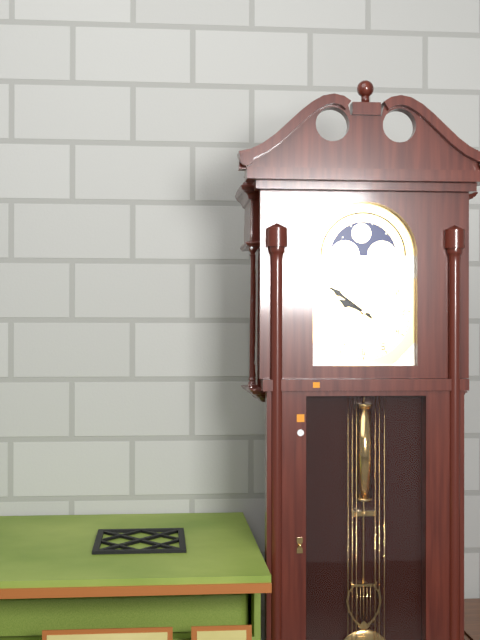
9 h 51 min
